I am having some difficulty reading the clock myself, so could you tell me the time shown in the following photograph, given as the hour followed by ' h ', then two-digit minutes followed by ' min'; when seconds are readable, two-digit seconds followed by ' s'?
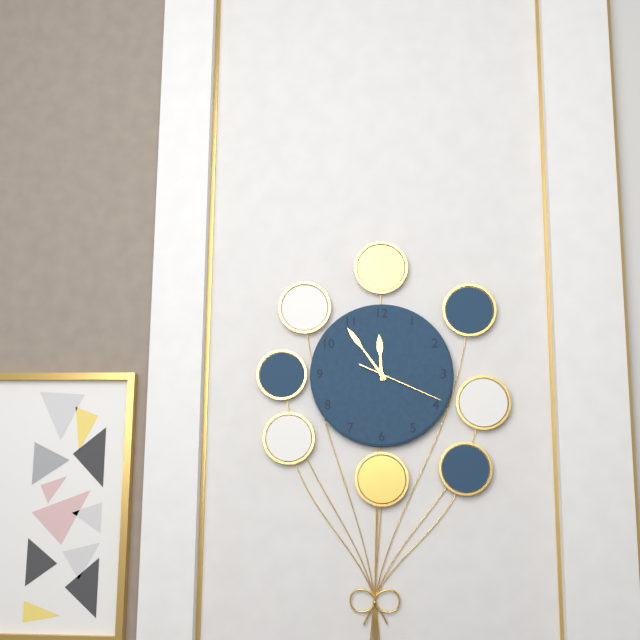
11 h 54 min 19 s
